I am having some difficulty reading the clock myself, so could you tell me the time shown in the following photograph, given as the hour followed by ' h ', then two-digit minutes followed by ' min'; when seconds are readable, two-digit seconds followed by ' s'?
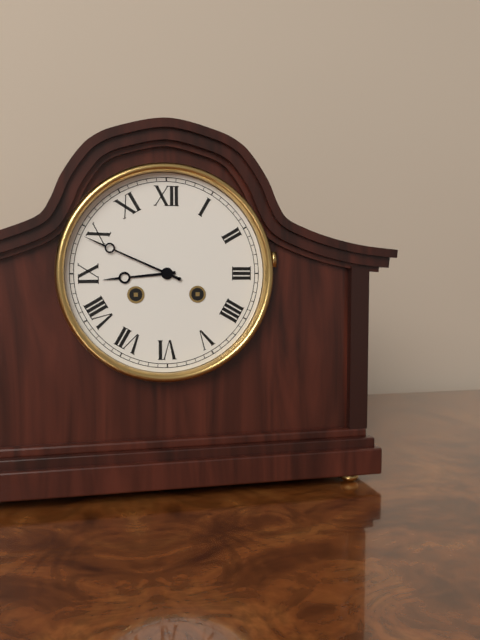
8 h 49 min
